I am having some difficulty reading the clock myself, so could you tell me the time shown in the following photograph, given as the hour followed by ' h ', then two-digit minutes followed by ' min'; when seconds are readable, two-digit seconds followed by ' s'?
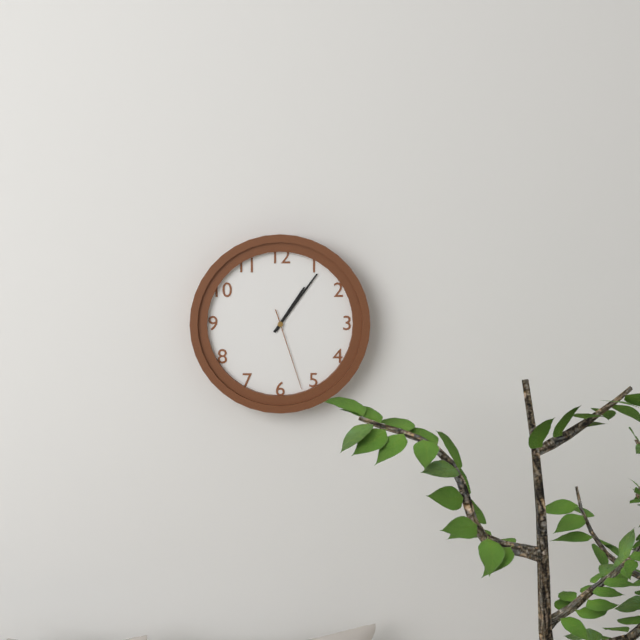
1 h 06 min 27 s
